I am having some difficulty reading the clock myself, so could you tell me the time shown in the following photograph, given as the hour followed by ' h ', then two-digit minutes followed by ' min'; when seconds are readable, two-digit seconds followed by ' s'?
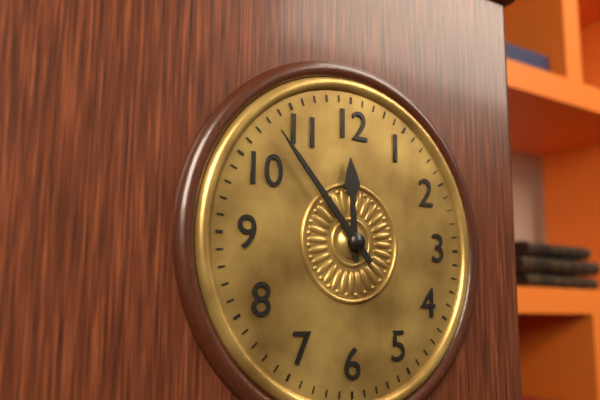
11 h 53 min
